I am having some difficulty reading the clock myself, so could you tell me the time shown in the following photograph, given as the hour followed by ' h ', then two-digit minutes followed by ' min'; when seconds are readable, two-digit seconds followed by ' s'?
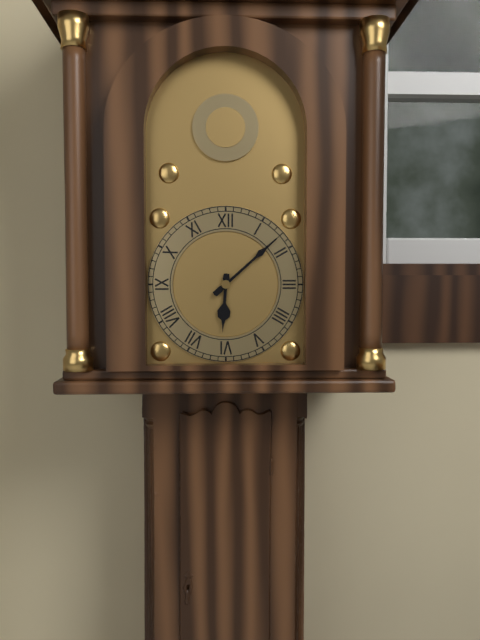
6 h 08 min
